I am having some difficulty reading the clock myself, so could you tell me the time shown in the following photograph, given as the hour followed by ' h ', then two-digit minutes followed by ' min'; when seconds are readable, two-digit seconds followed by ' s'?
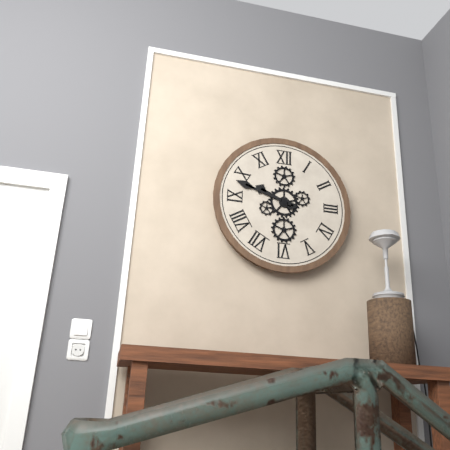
9 h 48 min
